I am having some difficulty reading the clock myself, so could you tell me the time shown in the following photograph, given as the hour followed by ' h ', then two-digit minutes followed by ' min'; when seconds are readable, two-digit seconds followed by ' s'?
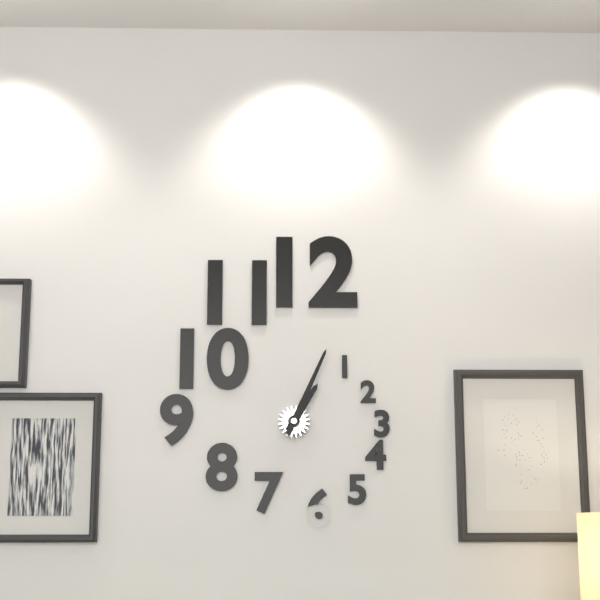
1 h 04 min
